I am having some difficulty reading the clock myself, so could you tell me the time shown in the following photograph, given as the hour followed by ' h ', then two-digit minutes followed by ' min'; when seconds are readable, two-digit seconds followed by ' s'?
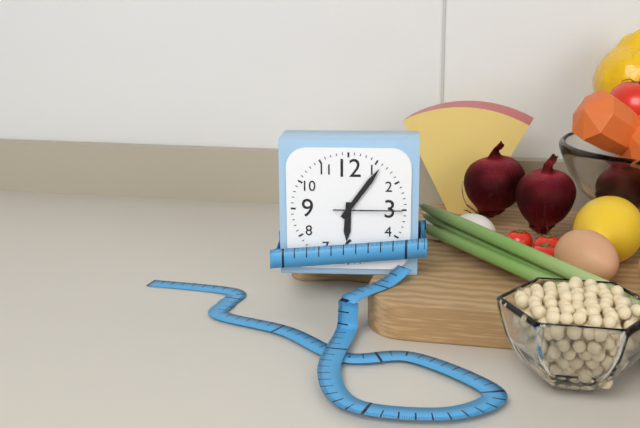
6 h 06 min 15 s
